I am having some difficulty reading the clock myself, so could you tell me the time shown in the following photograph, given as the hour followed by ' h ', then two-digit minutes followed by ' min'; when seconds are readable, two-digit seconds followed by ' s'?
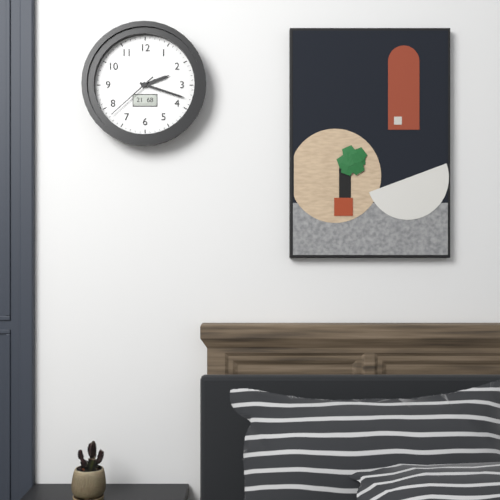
2 h 18 min 38 s
